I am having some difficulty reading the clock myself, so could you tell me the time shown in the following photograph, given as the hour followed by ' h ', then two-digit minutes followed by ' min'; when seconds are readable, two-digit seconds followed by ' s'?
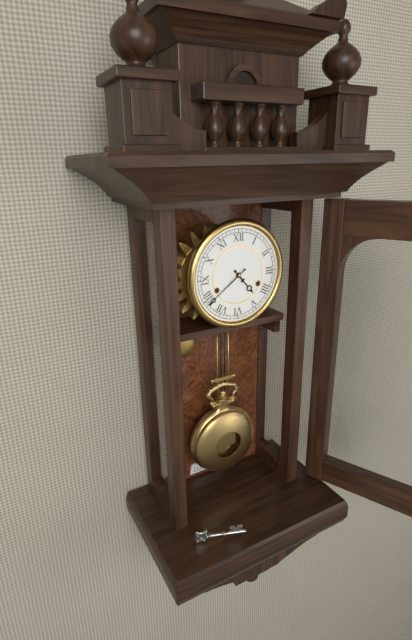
4 h 39 min
